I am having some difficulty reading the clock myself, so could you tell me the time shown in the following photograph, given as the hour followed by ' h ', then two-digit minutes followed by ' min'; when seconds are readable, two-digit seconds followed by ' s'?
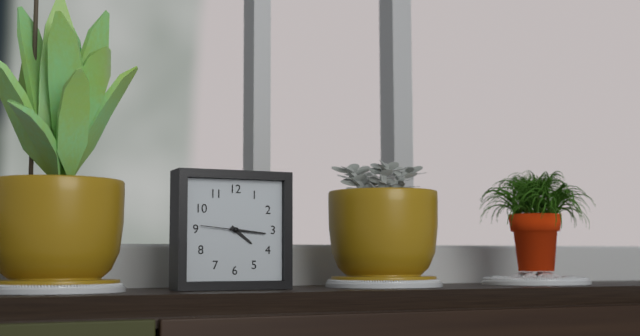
4 h 16 min
